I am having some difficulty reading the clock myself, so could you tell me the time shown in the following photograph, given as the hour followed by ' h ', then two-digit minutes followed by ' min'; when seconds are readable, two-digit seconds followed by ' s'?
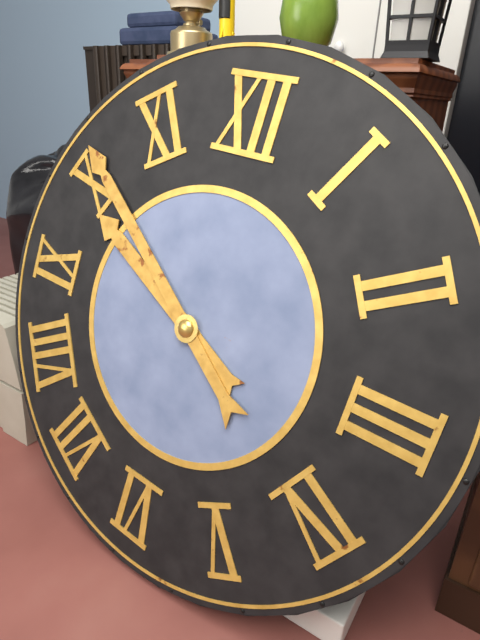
9 h 51 min
